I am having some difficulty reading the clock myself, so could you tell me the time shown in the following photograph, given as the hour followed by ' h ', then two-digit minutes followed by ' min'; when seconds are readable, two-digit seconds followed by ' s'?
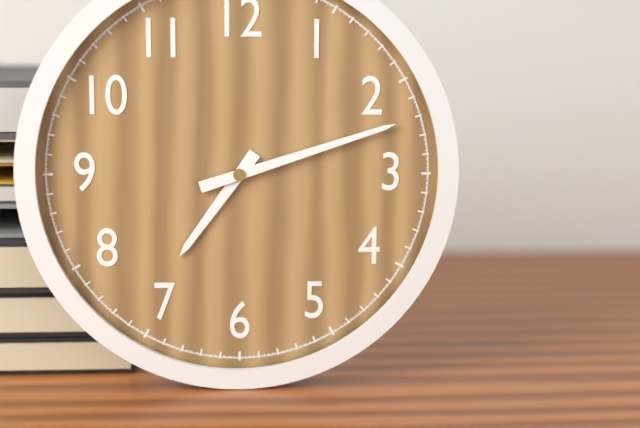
7 h 12 min
